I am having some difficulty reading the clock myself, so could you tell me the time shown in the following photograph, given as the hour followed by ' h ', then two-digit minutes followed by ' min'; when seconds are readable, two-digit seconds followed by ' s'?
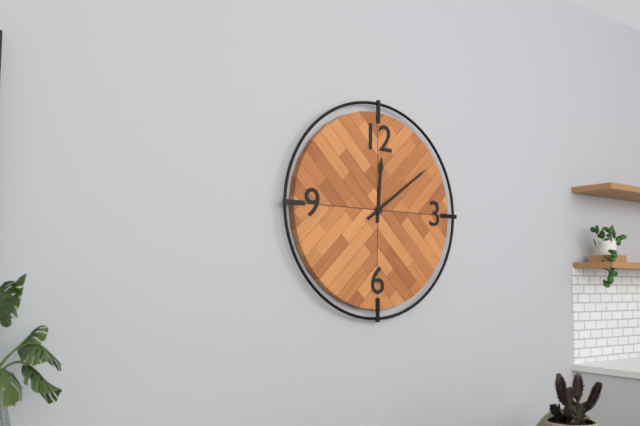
12 h 09 min
